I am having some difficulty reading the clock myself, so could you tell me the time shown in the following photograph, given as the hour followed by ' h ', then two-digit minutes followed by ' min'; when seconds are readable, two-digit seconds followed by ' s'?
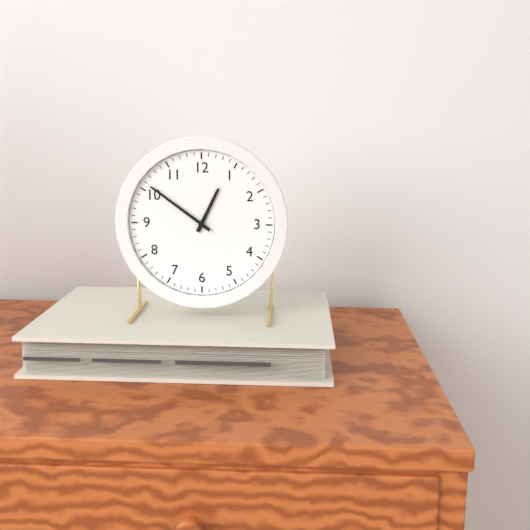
12 h 51 min
